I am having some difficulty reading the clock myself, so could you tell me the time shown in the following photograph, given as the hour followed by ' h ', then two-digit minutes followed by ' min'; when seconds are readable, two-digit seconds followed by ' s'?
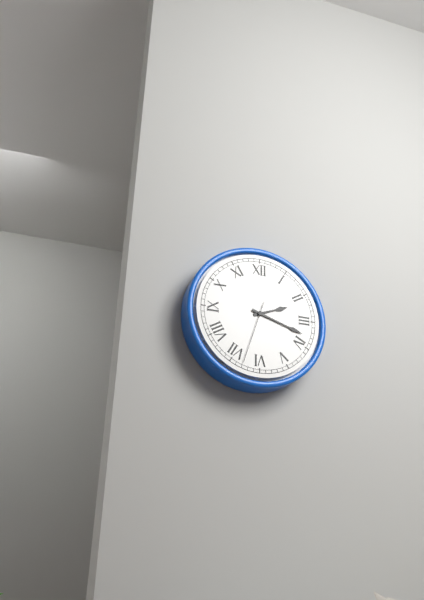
2 h 18 min 33 s
